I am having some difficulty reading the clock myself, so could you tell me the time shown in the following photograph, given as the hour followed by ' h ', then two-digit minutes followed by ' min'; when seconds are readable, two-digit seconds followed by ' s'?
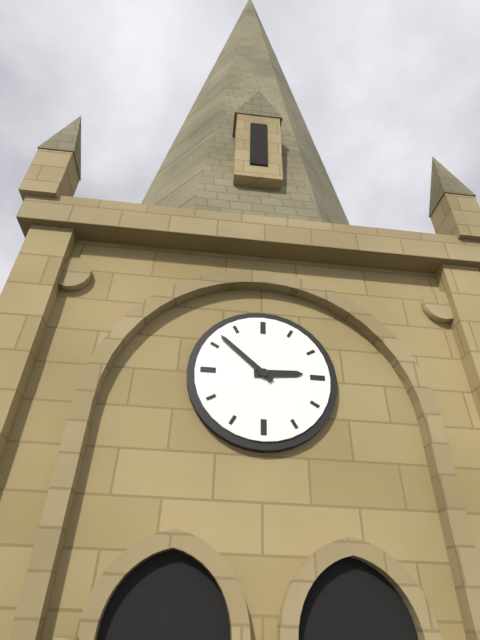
2 h 52 min
